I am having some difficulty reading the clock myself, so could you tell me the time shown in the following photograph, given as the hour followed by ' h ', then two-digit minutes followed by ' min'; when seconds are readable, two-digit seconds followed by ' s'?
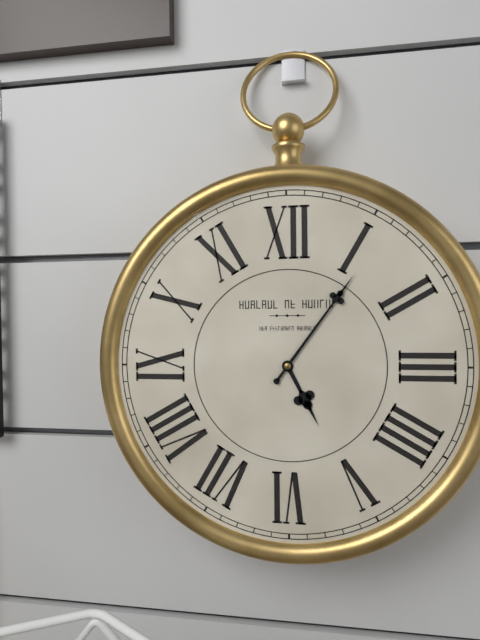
5 h 06 min
